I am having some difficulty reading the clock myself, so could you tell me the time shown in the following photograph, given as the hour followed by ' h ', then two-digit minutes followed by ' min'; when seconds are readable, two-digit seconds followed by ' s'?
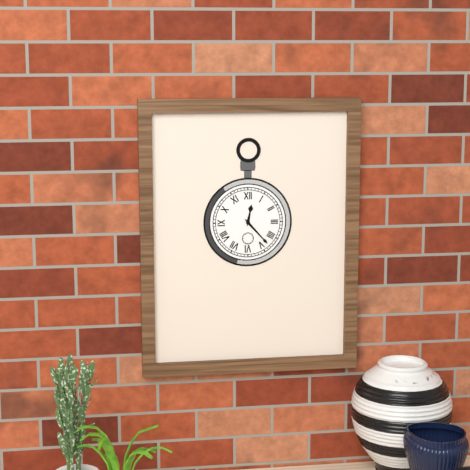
12 h 23 min
